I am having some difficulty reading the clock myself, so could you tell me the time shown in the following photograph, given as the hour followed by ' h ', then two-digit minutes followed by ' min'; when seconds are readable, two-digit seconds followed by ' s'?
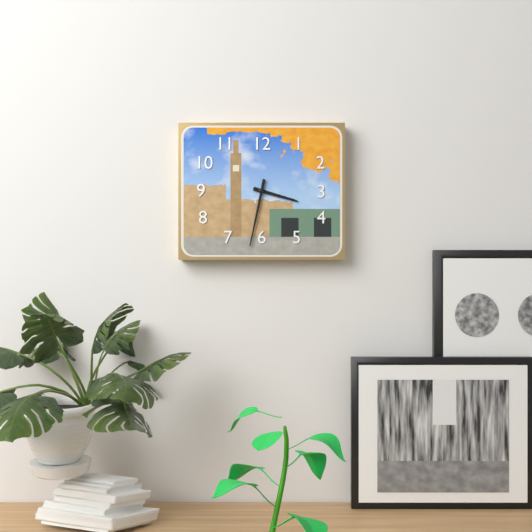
3 h 32 min
